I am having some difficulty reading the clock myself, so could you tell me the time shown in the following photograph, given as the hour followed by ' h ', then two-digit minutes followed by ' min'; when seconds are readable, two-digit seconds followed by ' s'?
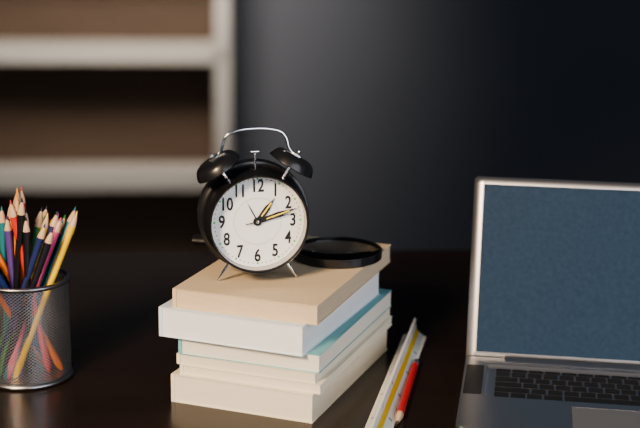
1 h 12 min 13 s
